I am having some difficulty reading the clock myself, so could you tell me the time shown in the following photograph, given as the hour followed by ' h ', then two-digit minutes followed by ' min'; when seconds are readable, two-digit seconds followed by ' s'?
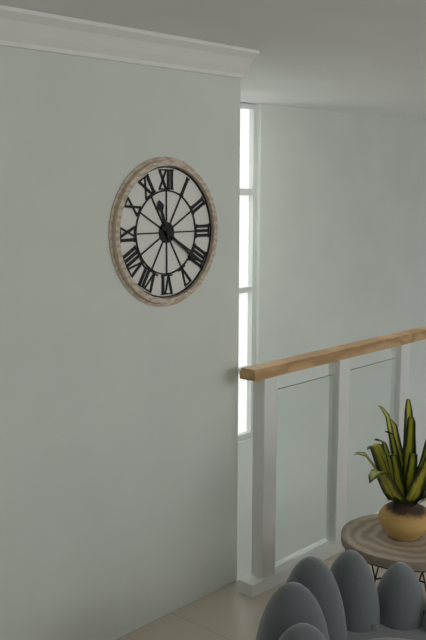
11 h 21 min
